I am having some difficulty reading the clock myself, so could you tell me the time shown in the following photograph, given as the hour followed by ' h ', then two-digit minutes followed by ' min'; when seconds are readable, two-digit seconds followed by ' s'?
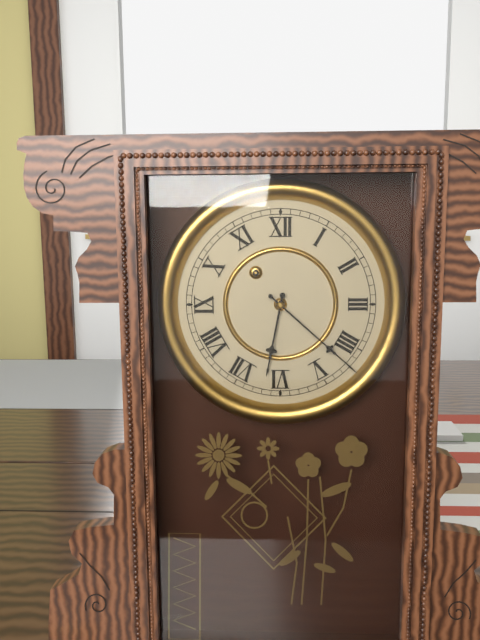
6 h 22 min
